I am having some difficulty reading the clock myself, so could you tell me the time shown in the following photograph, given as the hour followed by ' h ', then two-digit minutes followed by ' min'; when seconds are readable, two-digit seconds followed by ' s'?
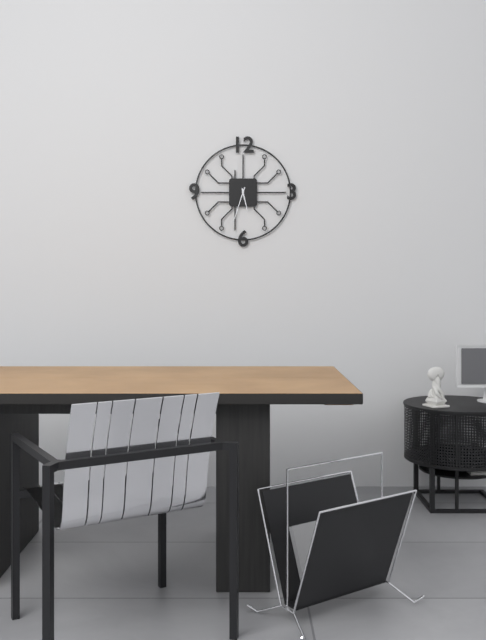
5 h 33 min
